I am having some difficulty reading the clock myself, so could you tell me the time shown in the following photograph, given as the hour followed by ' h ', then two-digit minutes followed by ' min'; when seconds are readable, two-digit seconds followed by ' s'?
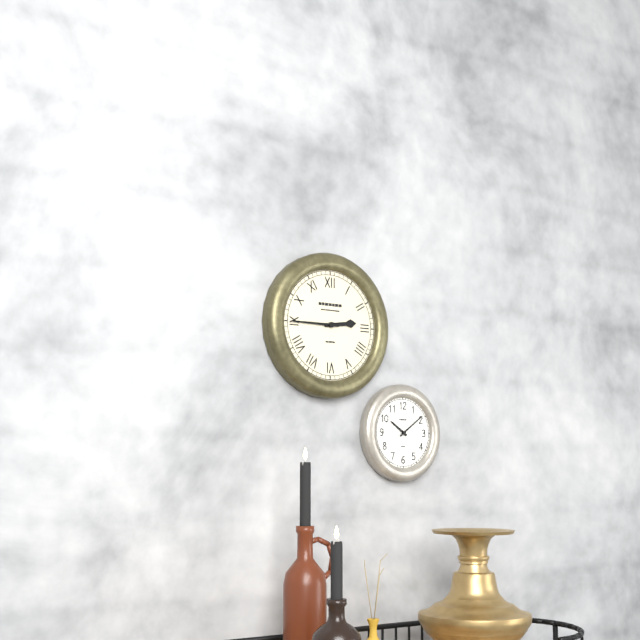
2 h 45 min
